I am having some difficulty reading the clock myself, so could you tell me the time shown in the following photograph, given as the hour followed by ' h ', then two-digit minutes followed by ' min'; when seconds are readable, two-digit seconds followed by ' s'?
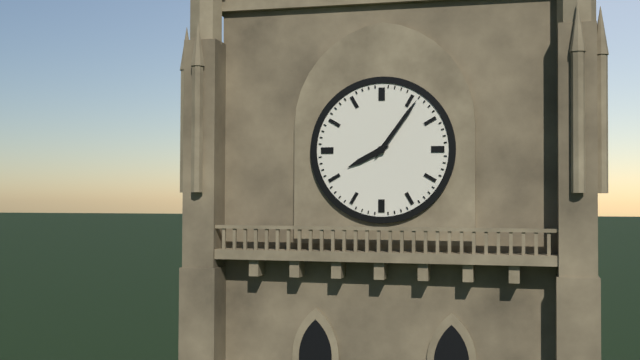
8 h 06 min
